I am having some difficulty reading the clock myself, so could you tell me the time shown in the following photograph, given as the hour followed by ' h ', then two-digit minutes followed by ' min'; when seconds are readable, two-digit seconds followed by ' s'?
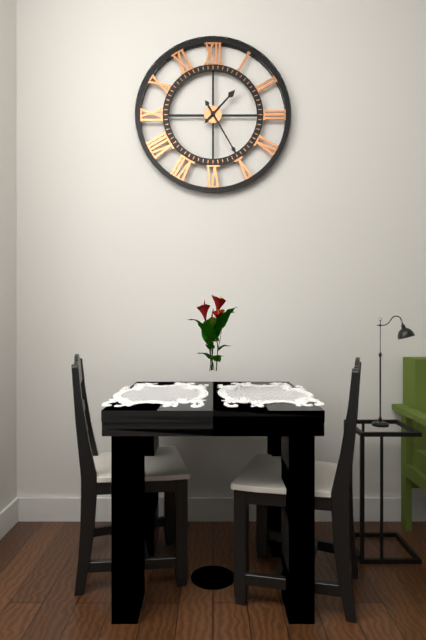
1 h 25 min
